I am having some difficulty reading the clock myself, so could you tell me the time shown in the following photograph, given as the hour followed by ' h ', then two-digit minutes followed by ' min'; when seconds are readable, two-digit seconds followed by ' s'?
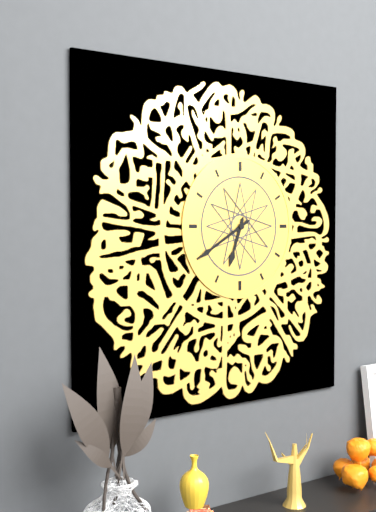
6 h 40 min
